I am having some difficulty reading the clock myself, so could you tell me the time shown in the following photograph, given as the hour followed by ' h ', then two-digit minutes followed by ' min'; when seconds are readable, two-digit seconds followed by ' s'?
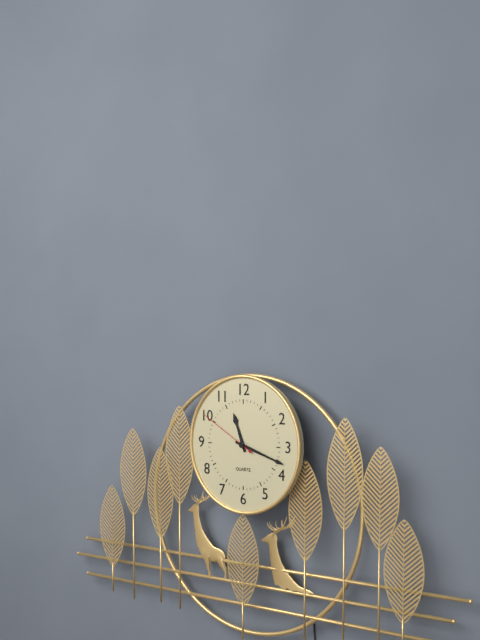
11 h 18 min 50 s
